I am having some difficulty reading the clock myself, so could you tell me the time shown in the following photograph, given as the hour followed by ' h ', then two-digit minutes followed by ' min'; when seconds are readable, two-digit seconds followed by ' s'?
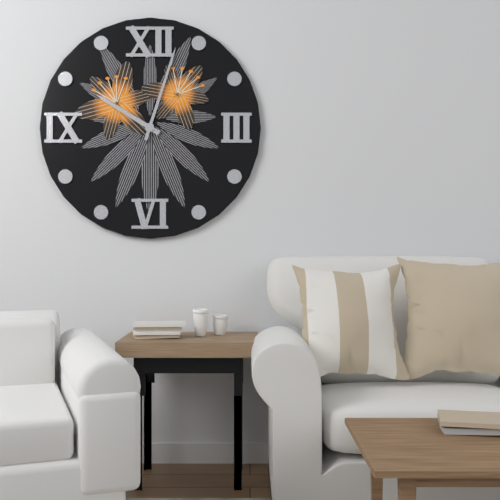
10 h 03 min
